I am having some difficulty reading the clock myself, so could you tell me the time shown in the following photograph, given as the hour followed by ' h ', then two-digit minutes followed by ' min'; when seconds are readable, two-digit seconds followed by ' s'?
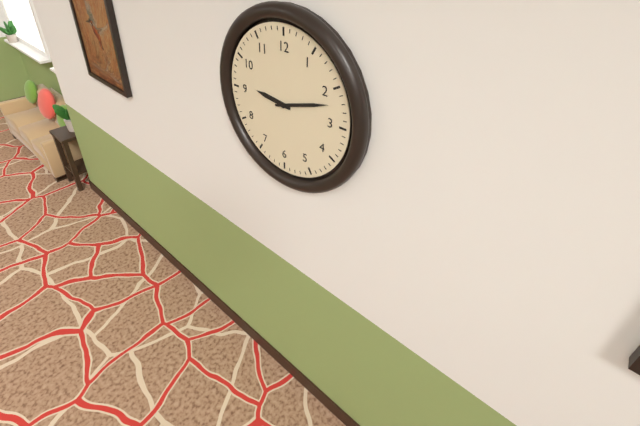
9 h 12 min
